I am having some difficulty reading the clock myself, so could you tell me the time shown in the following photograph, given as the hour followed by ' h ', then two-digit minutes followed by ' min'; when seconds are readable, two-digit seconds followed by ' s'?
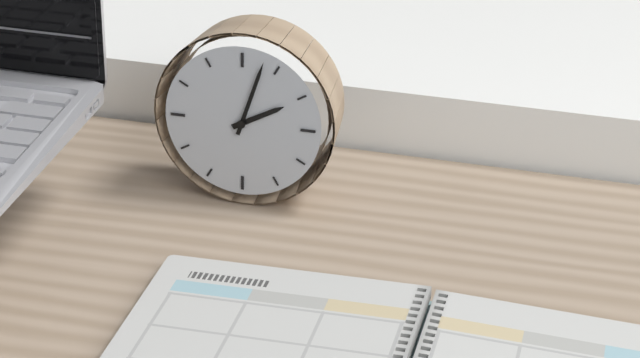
2 h 03 min
